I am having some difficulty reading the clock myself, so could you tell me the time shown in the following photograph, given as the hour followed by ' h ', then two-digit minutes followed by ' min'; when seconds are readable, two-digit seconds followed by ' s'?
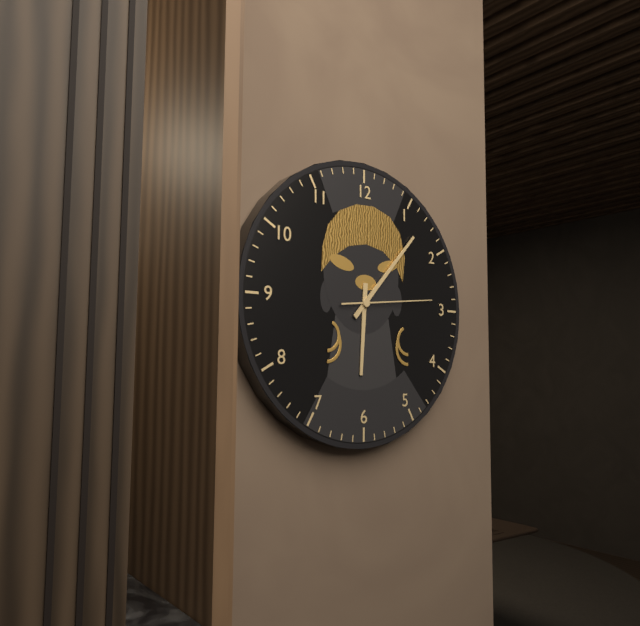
6 h 07 min 14 s
